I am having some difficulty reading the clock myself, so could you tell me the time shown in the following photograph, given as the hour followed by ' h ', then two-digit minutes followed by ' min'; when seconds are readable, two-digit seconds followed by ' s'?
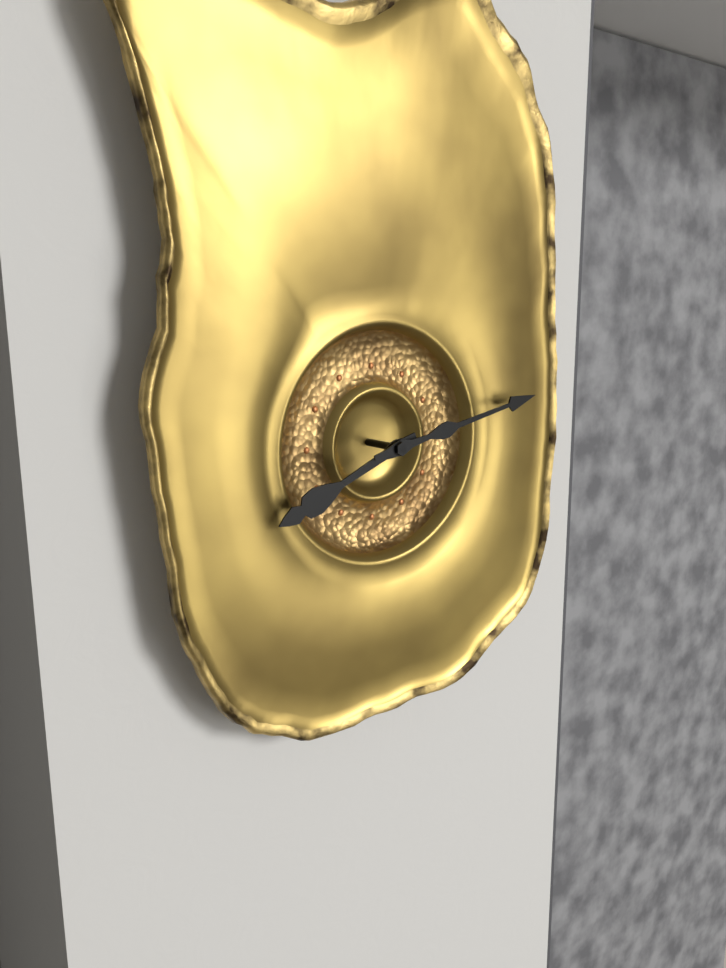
8 h 13 min
